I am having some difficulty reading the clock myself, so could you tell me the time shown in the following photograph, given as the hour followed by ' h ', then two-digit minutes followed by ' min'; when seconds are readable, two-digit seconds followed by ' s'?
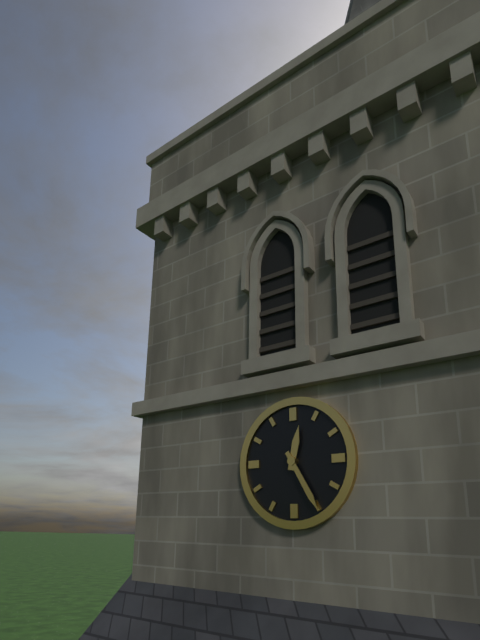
12 h 25 min
